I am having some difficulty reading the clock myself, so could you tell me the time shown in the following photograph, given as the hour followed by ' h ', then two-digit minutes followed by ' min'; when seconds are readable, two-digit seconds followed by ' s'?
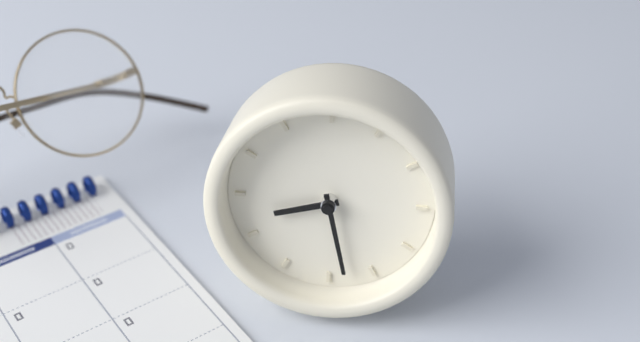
8 h 28 min
